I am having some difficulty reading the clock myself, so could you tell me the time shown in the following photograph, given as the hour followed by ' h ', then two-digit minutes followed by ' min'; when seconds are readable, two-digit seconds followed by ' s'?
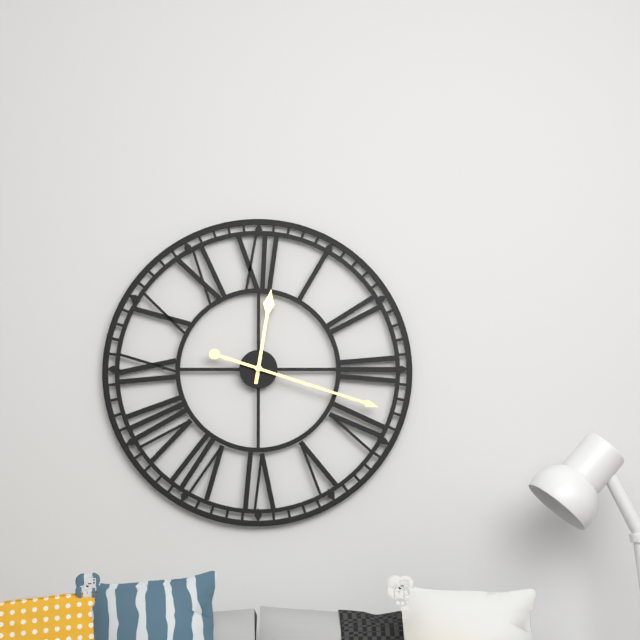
12 h 18 min
